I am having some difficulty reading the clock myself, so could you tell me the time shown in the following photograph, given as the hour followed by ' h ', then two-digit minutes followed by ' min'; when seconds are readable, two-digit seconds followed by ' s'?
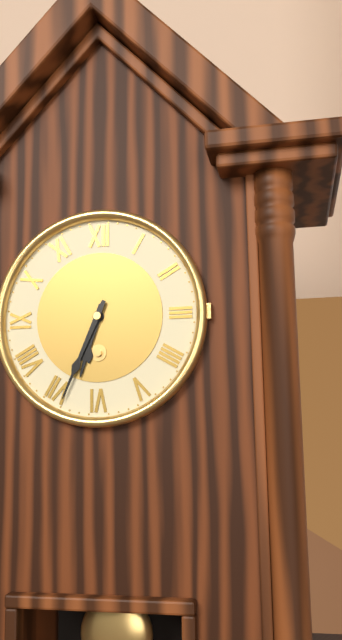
6 h 34 min
